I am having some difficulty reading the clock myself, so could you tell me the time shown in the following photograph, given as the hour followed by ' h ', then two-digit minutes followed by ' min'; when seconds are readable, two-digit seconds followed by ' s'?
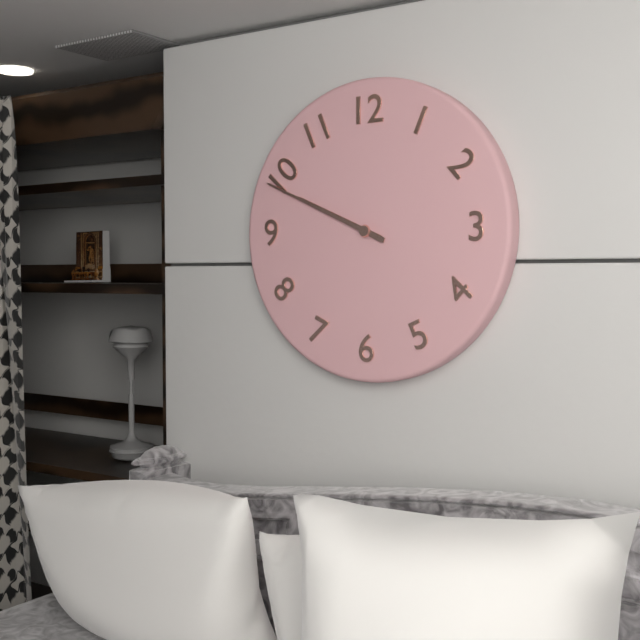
9 h 49 min
